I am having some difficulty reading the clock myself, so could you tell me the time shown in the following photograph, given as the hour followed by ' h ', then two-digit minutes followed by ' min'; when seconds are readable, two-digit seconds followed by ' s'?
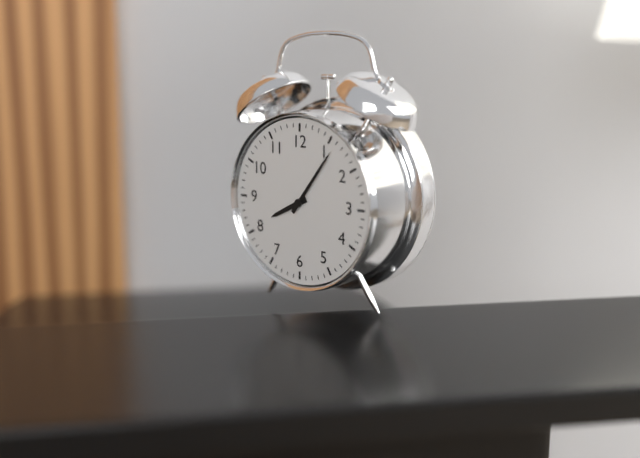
8 h 06 min
